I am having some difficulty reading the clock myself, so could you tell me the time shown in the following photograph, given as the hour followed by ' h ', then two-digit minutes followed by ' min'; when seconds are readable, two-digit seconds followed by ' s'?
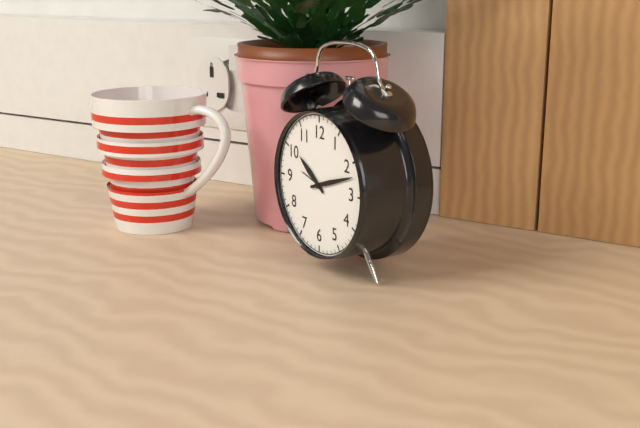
10 h 12 min
